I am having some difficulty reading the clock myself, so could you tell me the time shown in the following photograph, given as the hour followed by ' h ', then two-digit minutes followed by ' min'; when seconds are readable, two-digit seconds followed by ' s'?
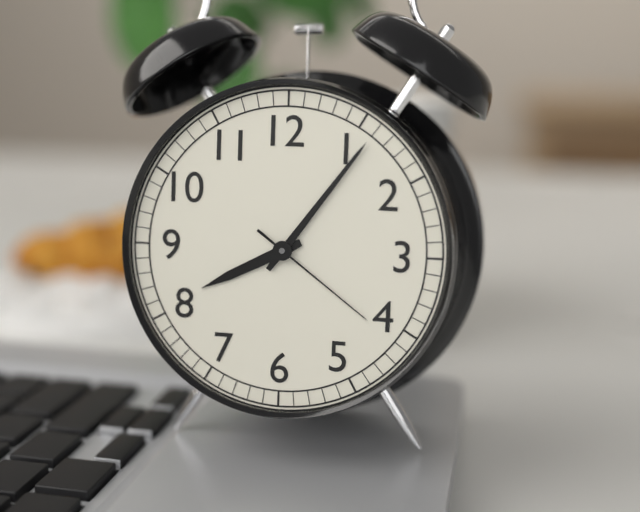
8 h 06 min 21 s
